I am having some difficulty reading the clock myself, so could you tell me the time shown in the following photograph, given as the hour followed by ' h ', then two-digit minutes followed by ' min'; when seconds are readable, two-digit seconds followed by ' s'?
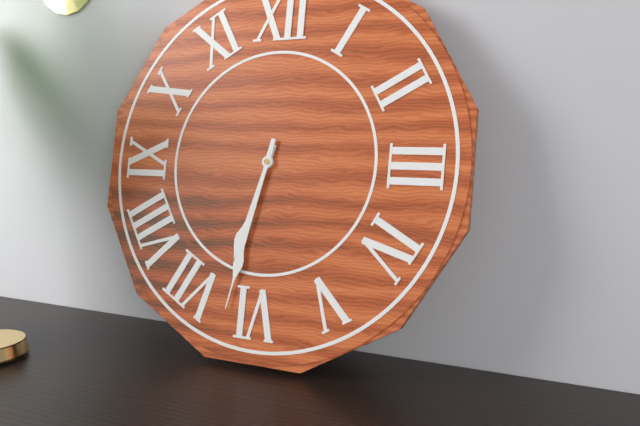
6 h 32 min
